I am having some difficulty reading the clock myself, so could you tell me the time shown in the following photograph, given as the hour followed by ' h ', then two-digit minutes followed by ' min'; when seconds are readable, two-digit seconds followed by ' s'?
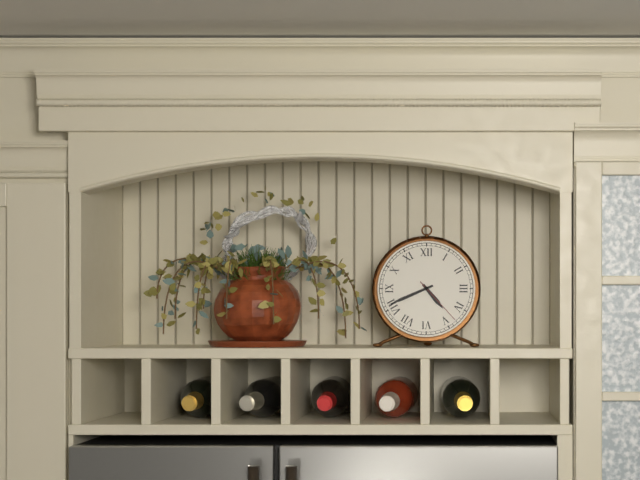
4 h 41 min 23 s
